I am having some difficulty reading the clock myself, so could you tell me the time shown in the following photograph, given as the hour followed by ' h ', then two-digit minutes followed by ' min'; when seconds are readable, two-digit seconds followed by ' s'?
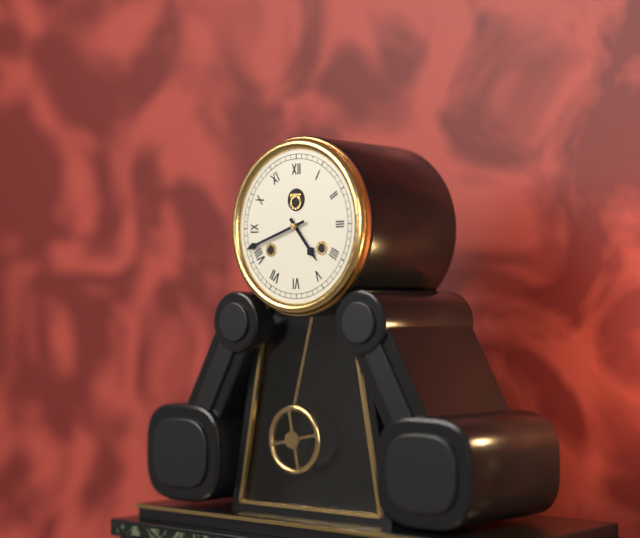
4 h 42 min
